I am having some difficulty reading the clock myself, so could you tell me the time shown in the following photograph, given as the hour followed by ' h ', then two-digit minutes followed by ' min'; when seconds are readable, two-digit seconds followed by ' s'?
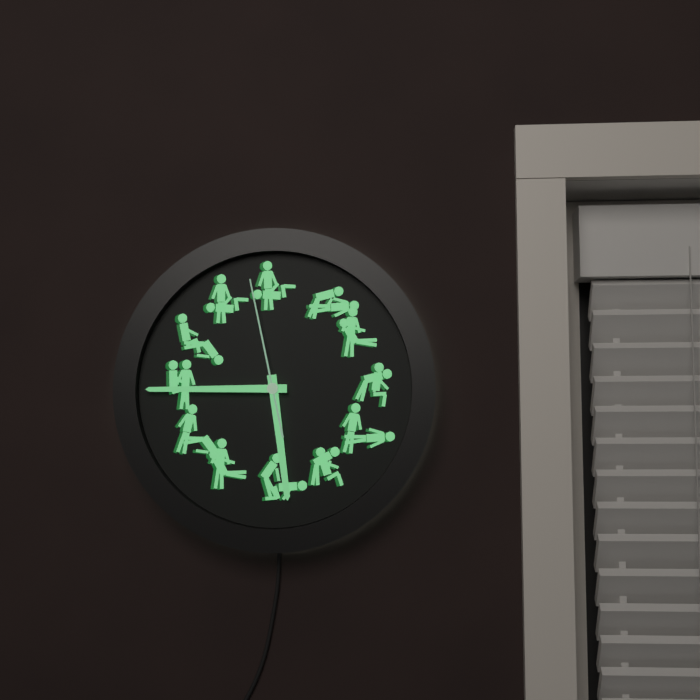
5 h 45 min 58 s
